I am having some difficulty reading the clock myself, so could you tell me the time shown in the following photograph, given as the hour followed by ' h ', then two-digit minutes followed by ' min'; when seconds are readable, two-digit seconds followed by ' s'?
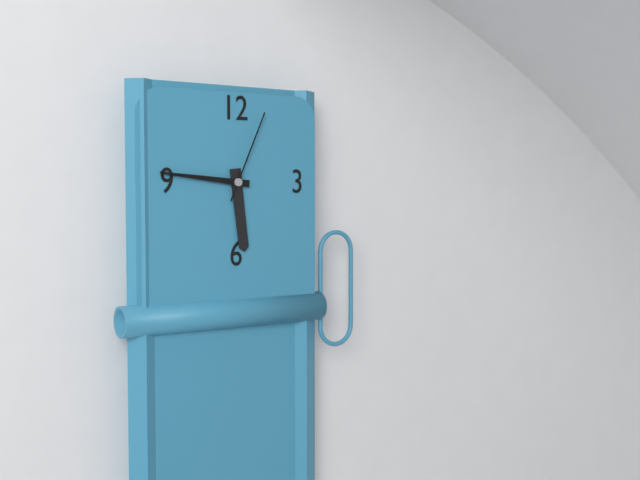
5 h 46 min 04 s
